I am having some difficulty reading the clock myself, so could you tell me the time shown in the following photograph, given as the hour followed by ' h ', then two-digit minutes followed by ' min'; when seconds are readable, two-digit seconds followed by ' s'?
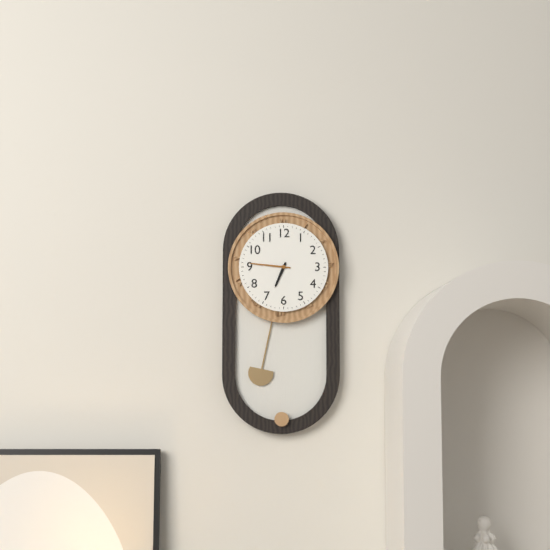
6 h 46 min
